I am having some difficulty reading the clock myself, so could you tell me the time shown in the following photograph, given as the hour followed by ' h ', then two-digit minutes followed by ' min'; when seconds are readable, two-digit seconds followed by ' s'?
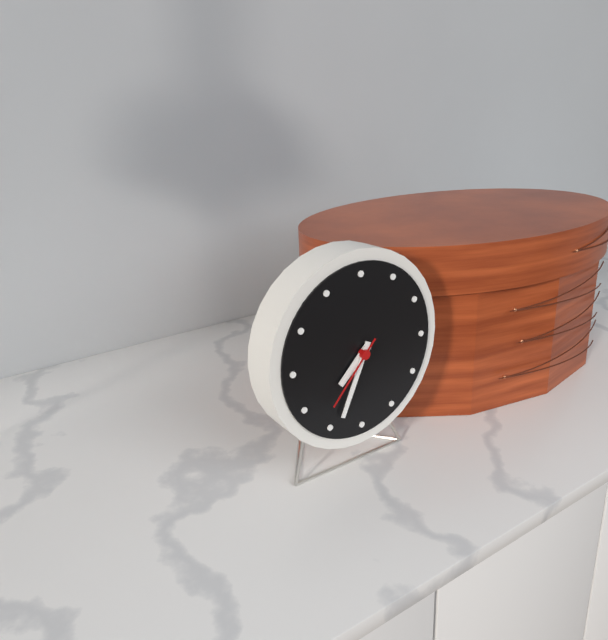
7 h 34 min 37 s
